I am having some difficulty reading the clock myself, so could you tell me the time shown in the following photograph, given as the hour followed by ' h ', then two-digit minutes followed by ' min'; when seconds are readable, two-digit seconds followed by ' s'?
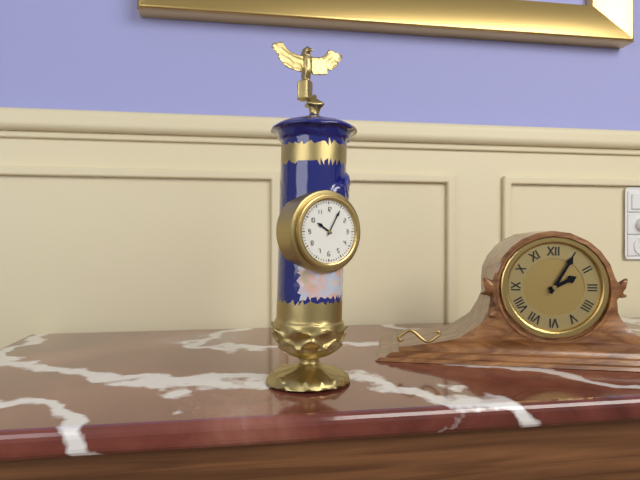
10 h 05 min
